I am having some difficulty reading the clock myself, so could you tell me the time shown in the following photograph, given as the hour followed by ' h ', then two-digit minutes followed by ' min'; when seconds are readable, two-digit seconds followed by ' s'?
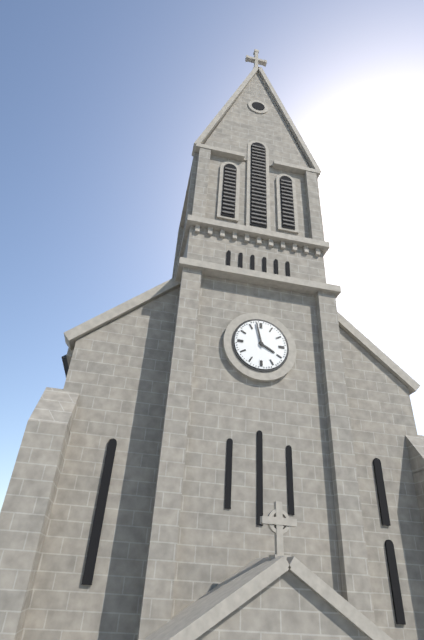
3 h 58 min
